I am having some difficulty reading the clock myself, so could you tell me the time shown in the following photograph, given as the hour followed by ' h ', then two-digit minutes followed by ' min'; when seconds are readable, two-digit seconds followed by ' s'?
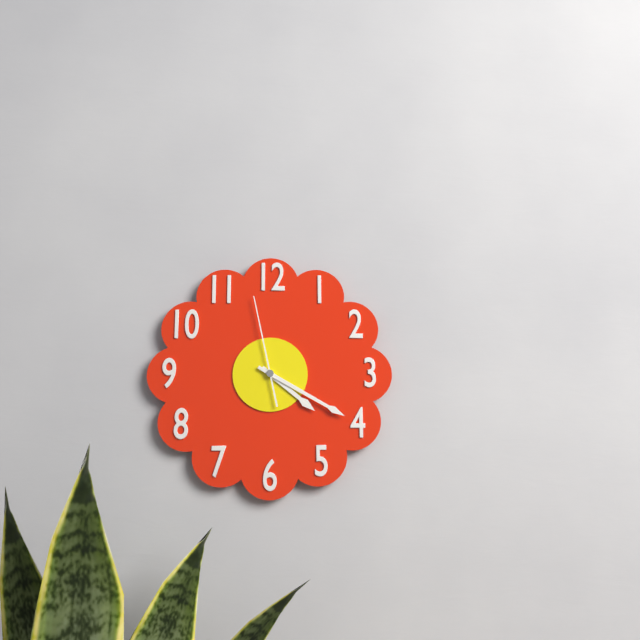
4 h 20 min 58 s
